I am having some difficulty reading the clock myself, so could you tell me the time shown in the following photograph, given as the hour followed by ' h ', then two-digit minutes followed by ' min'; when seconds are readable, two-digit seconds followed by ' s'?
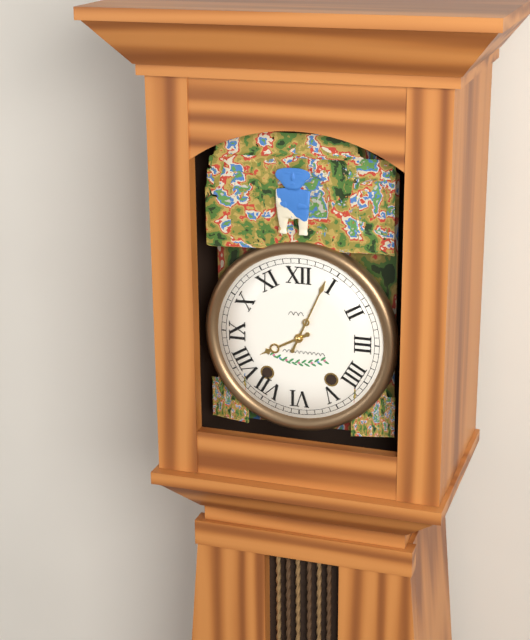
8 h 04 min
